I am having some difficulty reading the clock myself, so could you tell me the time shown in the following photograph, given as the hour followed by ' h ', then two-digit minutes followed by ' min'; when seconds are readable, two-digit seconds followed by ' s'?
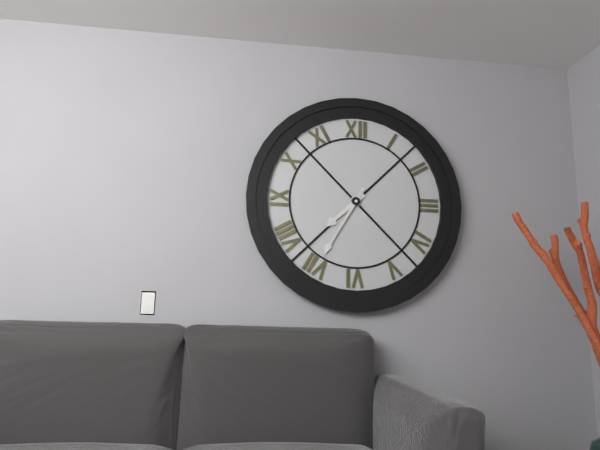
7 h 35 min
